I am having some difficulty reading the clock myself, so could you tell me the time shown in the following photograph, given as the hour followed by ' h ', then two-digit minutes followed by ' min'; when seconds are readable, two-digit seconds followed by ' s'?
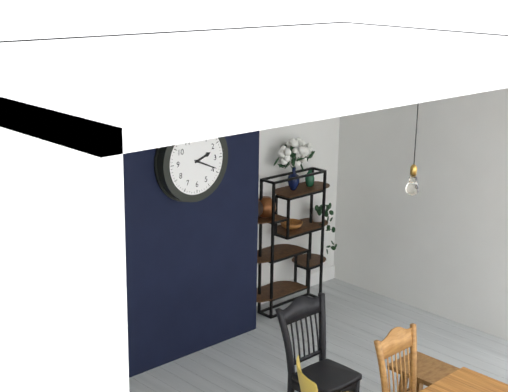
2 h 19 min
